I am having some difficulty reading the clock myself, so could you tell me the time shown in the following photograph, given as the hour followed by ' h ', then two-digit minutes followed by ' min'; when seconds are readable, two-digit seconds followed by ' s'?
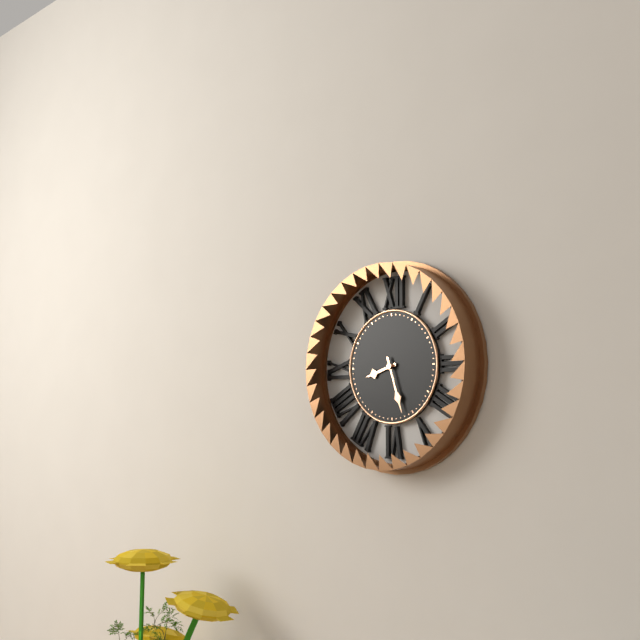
8 h 27 min
